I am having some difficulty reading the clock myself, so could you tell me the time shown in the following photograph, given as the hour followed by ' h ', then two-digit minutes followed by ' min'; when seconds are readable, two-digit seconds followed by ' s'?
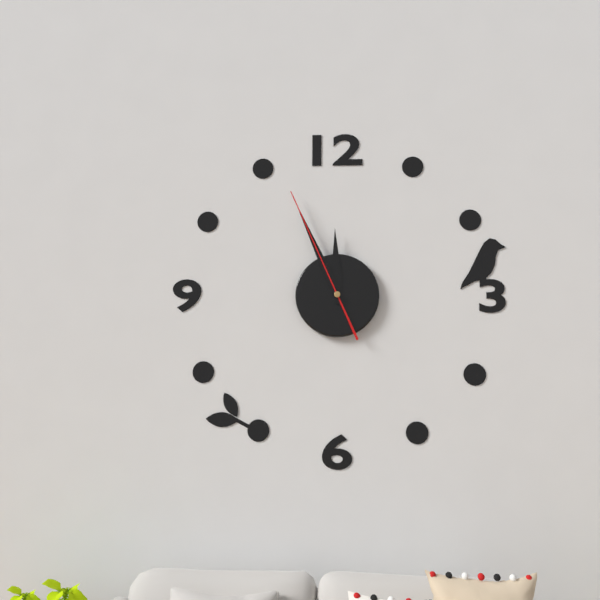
11 h 56 min 56 s
